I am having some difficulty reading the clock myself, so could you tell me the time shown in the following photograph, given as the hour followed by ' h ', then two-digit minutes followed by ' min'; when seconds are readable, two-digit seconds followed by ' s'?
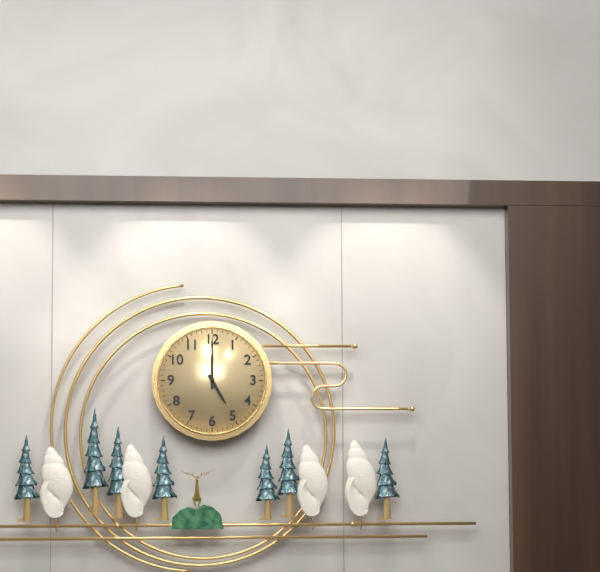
5 h 00 min
